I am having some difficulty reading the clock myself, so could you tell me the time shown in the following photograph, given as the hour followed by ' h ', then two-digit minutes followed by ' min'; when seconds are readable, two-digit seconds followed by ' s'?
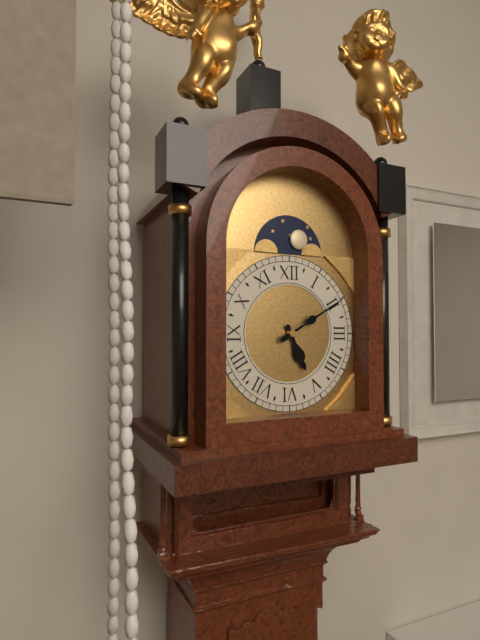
5 h 10 min
